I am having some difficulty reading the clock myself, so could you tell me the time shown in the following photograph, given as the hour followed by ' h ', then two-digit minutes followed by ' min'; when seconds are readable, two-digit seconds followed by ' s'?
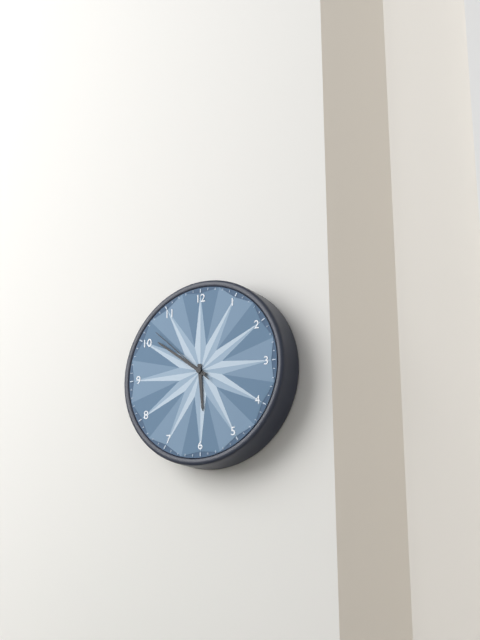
5 h 51 min 52 s
